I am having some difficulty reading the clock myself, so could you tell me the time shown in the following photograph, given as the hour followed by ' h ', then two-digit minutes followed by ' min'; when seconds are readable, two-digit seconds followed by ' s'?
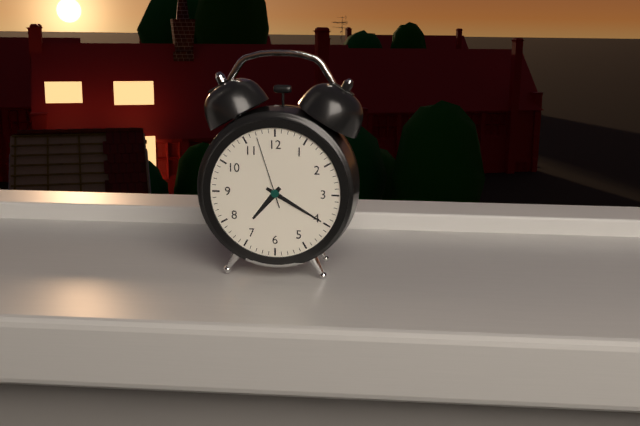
7 h 20 min 57 s
